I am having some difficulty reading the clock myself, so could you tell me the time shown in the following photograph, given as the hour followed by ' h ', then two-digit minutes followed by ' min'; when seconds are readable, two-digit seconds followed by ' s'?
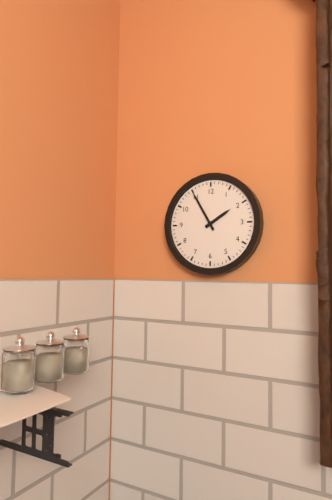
1 h 55 min
